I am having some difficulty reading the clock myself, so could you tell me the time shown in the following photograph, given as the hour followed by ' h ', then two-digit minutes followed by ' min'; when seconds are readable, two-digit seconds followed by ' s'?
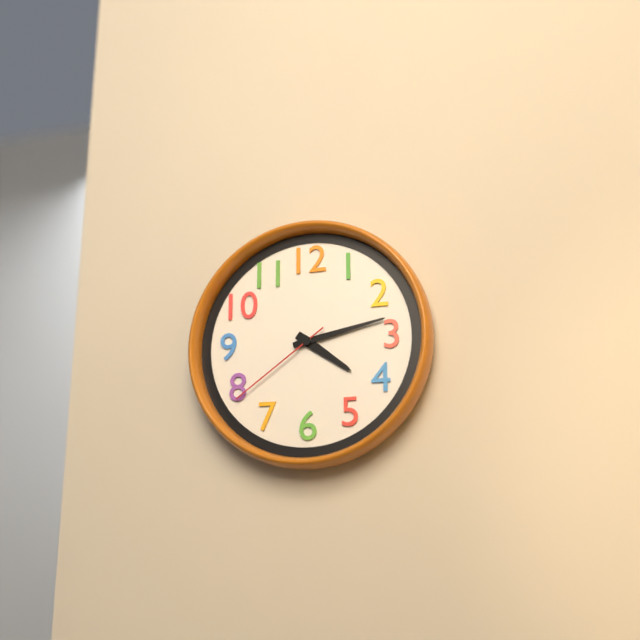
4 h 13 min 39 s
